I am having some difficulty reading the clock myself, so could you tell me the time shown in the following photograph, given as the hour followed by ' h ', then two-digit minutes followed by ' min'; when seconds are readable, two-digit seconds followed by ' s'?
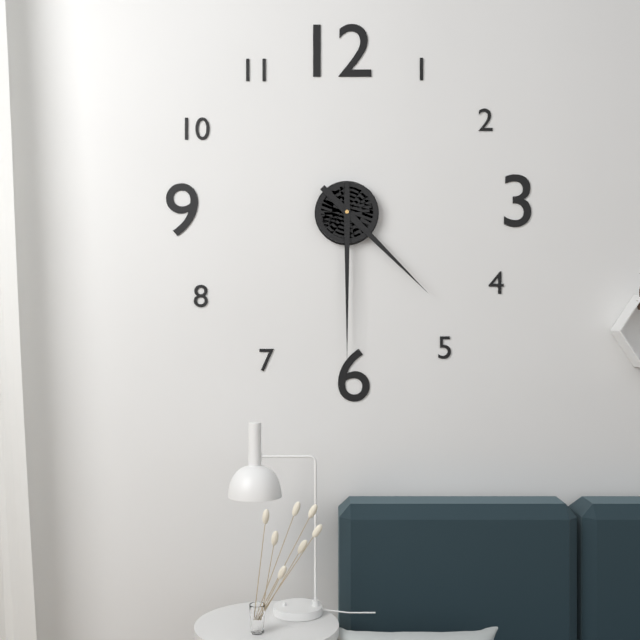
4 h 30 min
